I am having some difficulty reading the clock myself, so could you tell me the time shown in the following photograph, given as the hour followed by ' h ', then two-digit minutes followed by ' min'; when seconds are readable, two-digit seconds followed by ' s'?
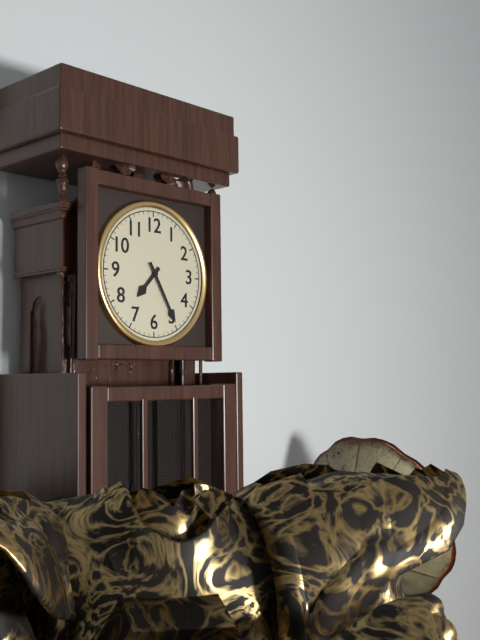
7 h 25 min
